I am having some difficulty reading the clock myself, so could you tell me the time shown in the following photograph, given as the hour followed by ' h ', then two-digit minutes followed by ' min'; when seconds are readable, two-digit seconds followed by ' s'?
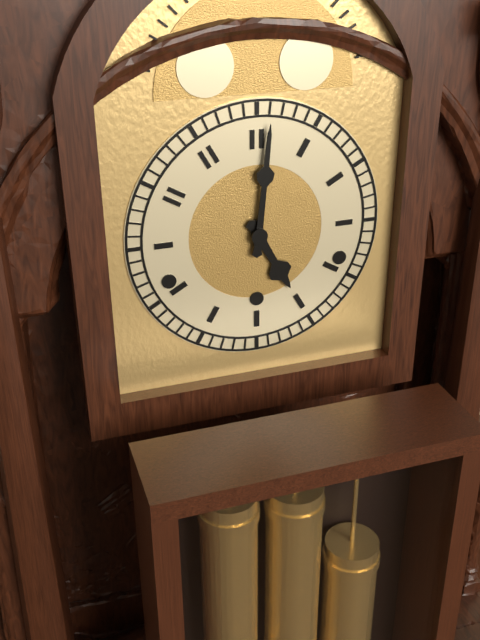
5 h 01 min
